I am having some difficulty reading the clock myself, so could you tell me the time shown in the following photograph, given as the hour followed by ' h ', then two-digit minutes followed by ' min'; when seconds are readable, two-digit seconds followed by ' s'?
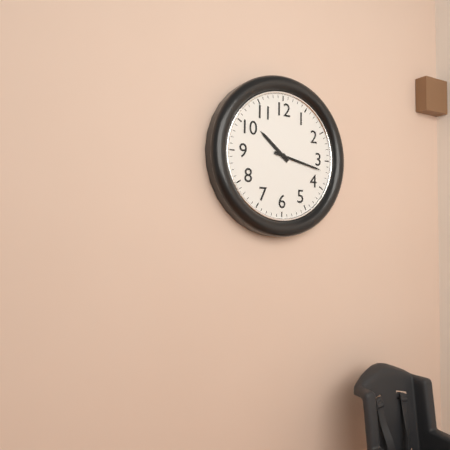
10 h 17 min
